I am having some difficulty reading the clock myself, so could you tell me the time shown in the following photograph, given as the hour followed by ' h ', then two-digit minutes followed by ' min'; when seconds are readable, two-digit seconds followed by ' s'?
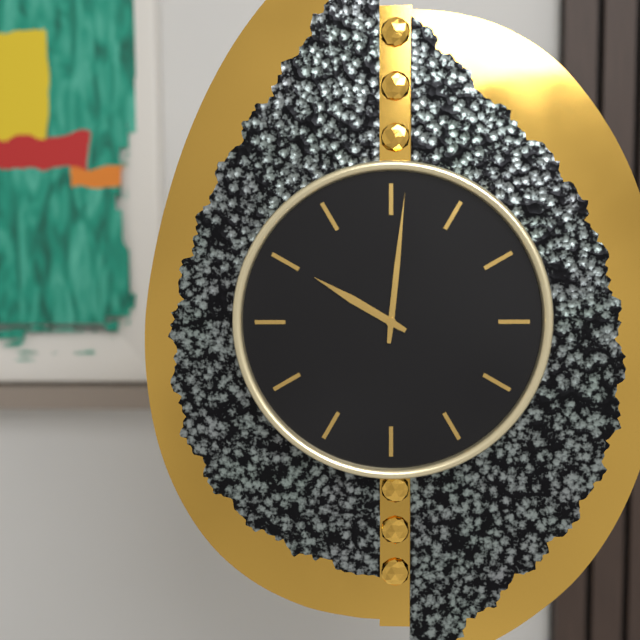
10 h 01 min
